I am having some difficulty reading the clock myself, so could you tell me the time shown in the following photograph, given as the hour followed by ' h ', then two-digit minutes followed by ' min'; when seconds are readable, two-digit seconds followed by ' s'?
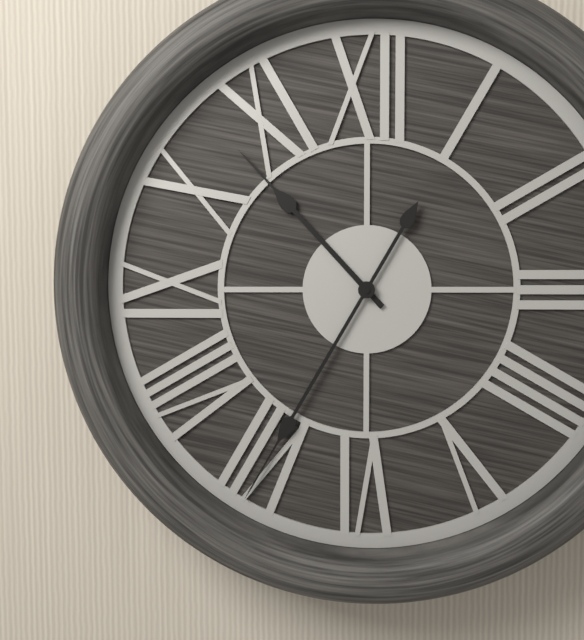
10 h 35 min
